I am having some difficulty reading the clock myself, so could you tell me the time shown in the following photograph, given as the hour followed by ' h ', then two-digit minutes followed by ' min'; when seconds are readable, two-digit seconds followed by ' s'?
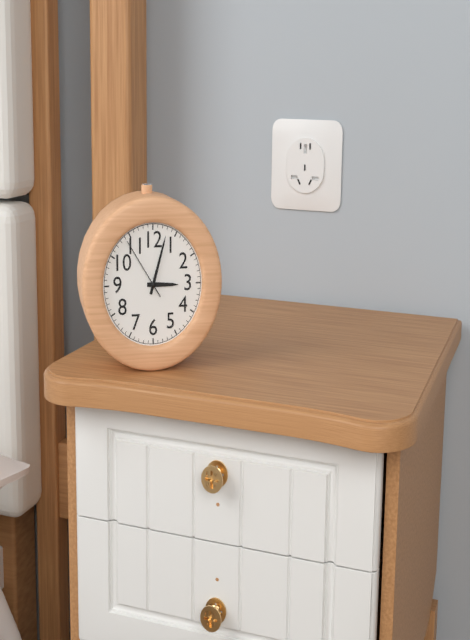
3 h 03 min 54 s
